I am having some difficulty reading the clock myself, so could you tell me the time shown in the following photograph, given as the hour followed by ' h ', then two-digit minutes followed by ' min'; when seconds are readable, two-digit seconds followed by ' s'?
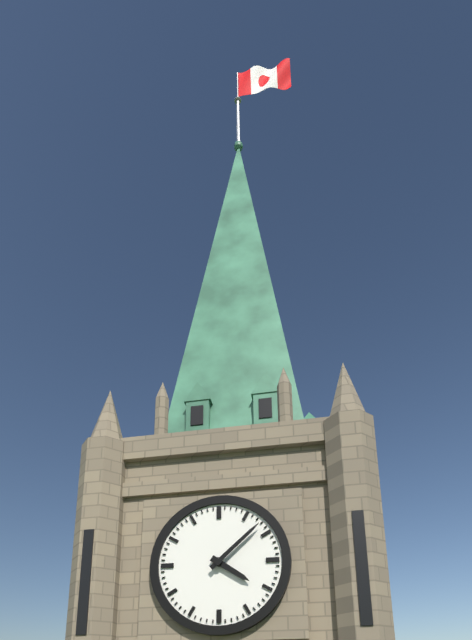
4 h 08 min
